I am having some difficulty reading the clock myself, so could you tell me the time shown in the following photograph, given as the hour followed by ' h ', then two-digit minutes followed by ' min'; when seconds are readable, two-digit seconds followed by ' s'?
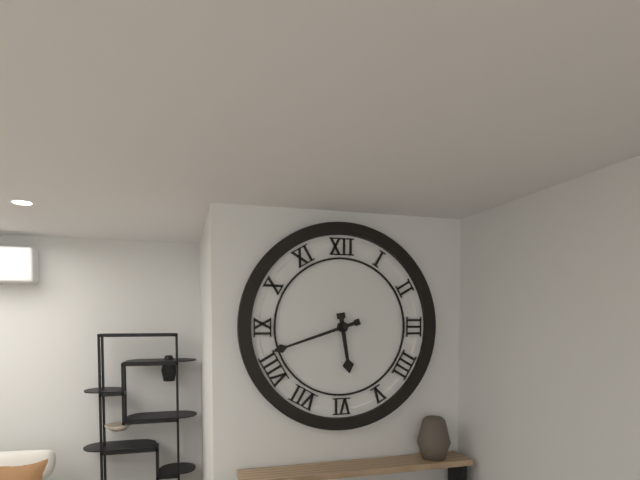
5 h 42 min
